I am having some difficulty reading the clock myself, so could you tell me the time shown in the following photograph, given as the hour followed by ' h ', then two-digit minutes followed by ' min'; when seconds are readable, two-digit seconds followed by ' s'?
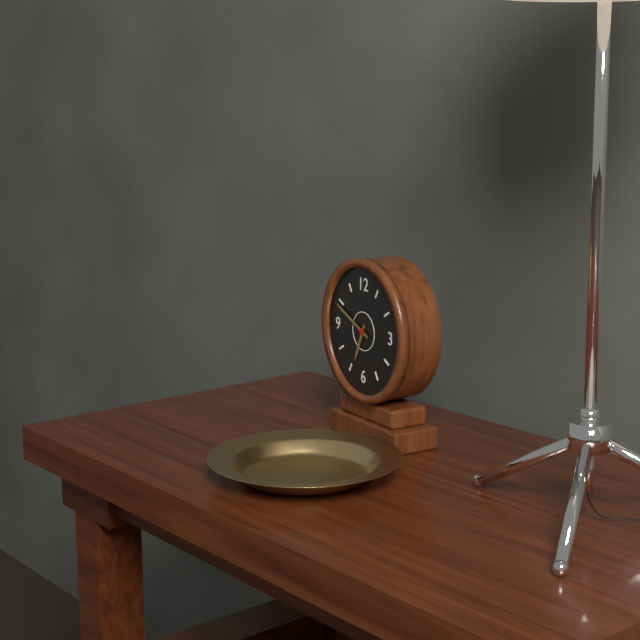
6 h 49 min
